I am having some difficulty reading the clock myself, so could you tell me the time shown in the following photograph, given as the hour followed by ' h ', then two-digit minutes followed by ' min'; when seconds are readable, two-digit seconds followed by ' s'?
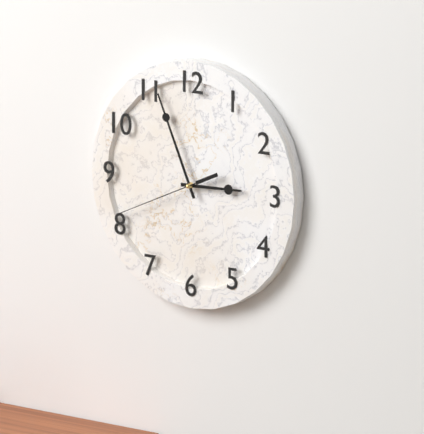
2 h 56 min 41 s
